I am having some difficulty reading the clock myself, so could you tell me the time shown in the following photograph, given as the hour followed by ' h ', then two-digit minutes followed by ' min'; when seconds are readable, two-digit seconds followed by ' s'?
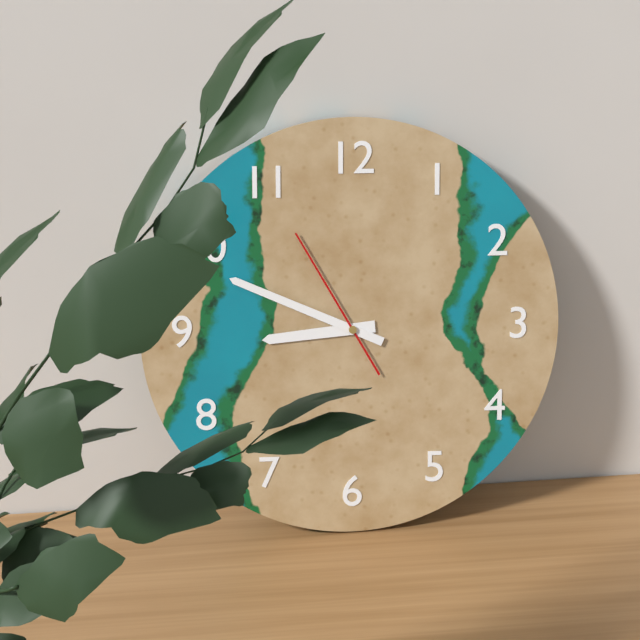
8 h 49 min 55 s
